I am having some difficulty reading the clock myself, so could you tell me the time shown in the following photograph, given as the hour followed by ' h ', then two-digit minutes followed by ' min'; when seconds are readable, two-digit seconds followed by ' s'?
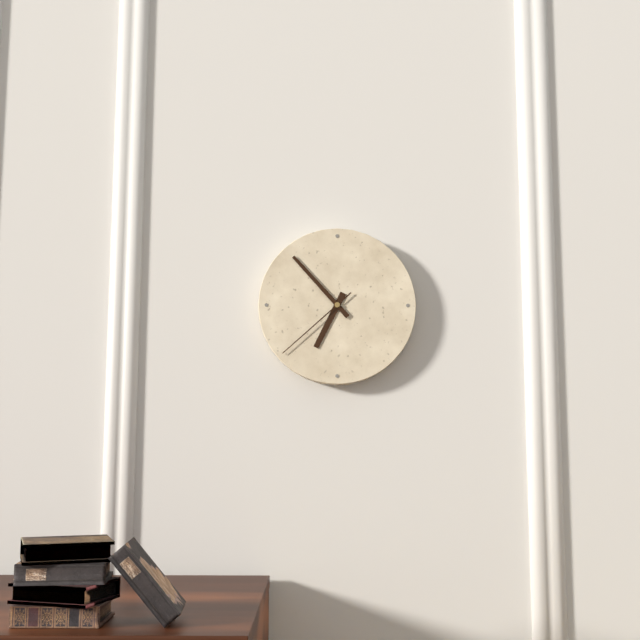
6 h 53 min 38 s
